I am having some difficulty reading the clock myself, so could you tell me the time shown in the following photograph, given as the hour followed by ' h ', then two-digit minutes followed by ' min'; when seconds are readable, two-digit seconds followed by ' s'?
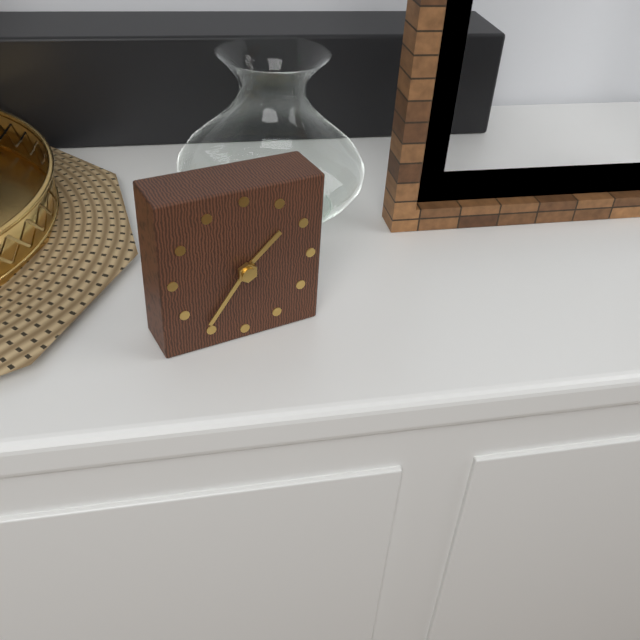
1 h 36 min
